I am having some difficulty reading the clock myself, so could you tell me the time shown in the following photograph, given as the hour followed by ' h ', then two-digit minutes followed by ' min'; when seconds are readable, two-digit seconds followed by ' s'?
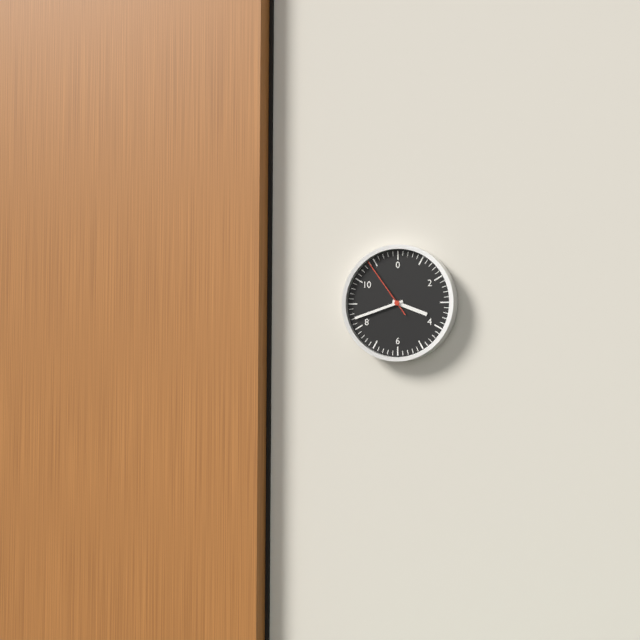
3 h 42 min 54 s
